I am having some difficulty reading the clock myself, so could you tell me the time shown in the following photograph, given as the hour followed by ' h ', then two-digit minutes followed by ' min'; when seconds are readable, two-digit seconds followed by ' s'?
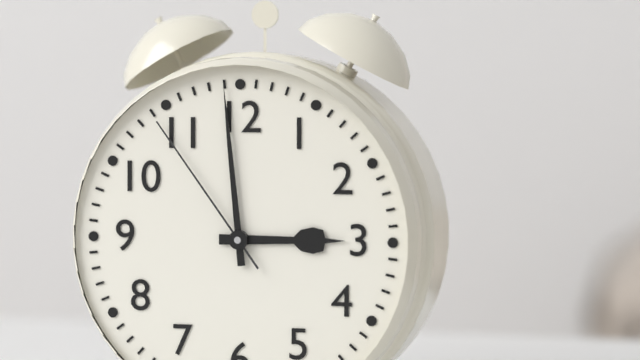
2 h 59 min 54 s
